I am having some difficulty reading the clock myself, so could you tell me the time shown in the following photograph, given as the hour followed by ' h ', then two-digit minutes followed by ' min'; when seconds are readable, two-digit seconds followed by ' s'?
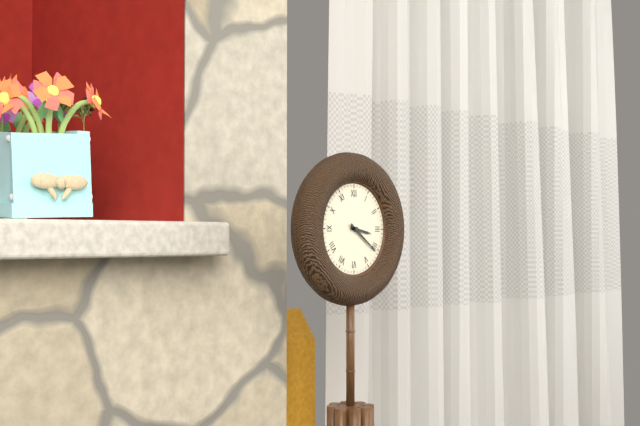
3 h 21 min
